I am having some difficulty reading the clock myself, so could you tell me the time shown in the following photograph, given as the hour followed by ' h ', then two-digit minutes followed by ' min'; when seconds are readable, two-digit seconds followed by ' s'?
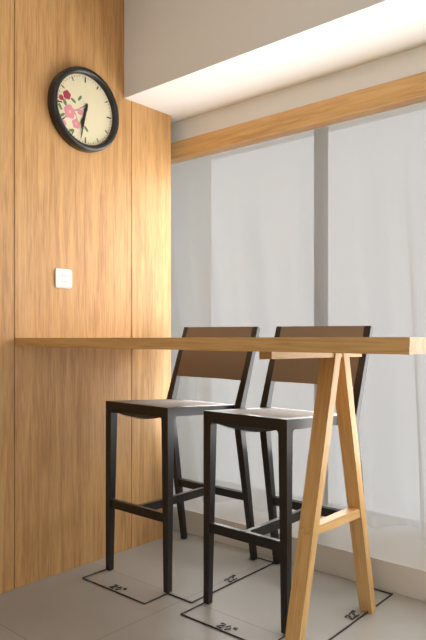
6 h 32 min
